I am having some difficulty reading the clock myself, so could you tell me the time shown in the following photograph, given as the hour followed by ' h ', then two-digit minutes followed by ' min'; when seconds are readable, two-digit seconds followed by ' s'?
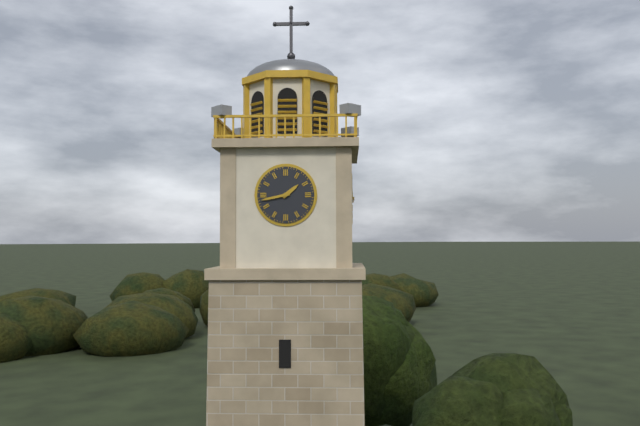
1 h 43 min
